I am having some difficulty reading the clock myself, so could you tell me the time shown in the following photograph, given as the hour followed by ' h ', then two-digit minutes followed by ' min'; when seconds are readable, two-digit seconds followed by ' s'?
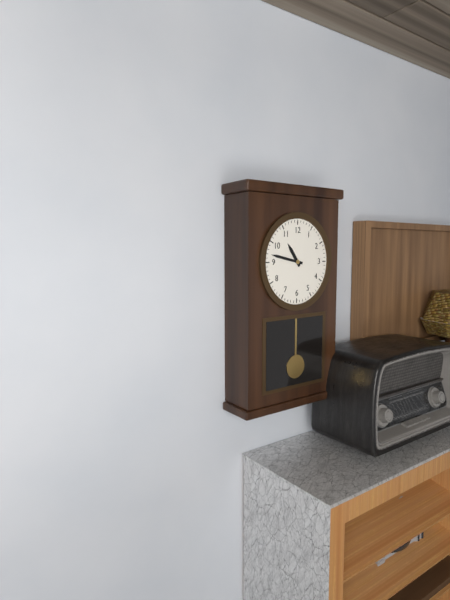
10 h 47 min
